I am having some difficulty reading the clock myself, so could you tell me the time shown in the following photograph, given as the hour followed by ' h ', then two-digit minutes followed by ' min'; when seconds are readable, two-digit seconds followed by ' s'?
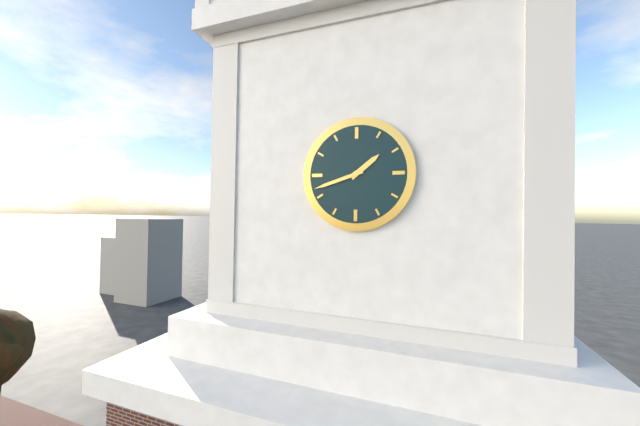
1 h 42 min
